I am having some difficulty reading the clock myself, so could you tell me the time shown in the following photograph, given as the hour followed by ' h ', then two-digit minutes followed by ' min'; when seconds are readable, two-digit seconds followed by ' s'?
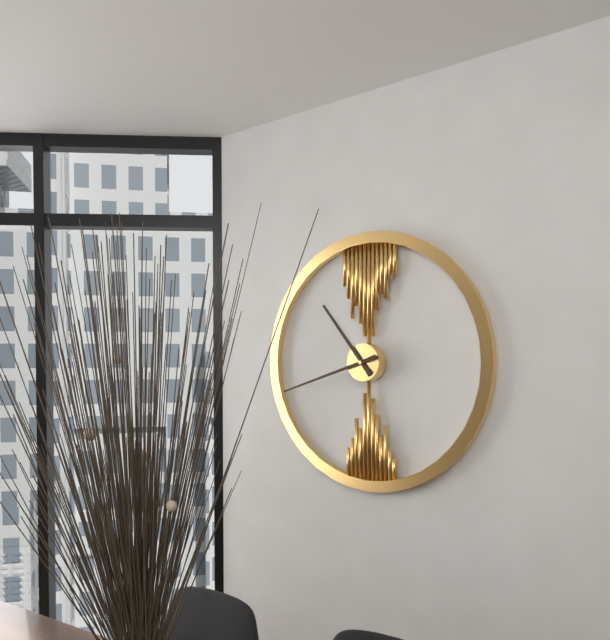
10 h 42 min
